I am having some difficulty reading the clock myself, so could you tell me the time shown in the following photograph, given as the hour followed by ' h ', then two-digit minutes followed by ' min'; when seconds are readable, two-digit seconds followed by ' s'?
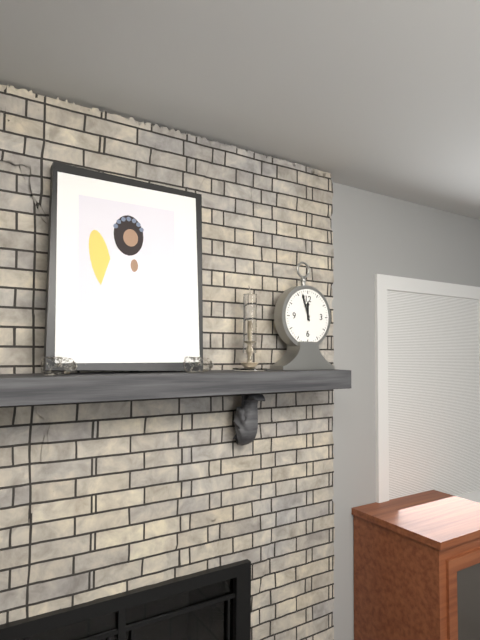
11 h 57 min
